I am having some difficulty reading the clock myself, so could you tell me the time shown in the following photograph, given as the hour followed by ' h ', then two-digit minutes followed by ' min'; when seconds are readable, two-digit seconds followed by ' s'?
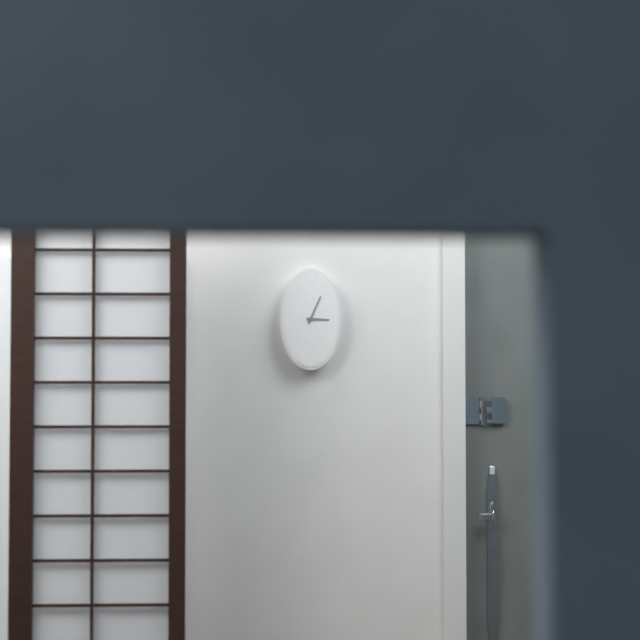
3 h 04 min
